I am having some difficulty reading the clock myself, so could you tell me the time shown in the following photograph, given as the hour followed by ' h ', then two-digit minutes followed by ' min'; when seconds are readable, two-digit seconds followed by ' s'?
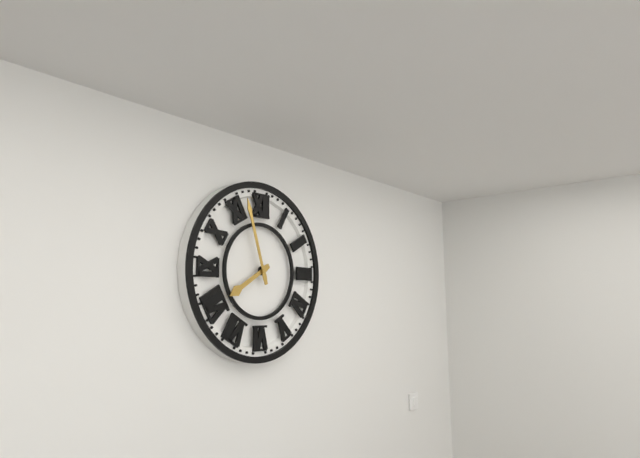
7 h 57 min
